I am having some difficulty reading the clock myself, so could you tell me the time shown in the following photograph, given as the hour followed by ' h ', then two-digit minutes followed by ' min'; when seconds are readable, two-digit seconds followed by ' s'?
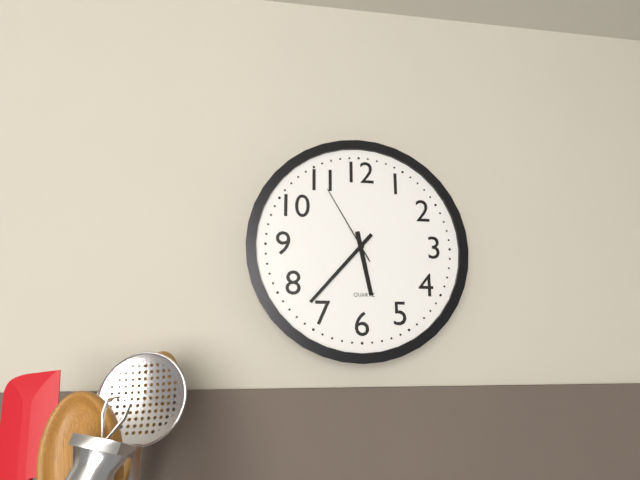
5 h 37 min 55 s
